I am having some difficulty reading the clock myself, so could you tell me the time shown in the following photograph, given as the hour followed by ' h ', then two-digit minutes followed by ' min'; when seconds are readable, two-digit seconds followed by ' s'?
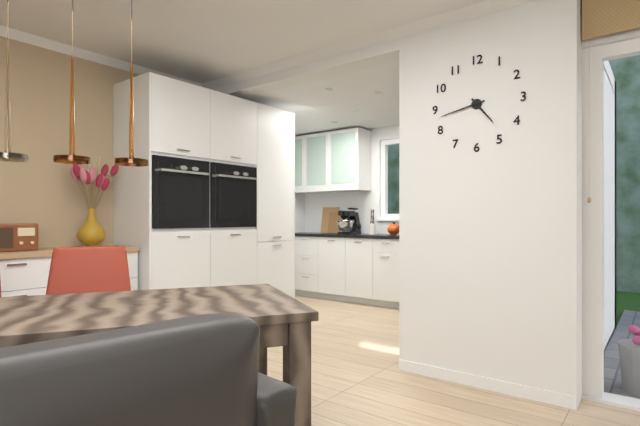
4 h 43 min
